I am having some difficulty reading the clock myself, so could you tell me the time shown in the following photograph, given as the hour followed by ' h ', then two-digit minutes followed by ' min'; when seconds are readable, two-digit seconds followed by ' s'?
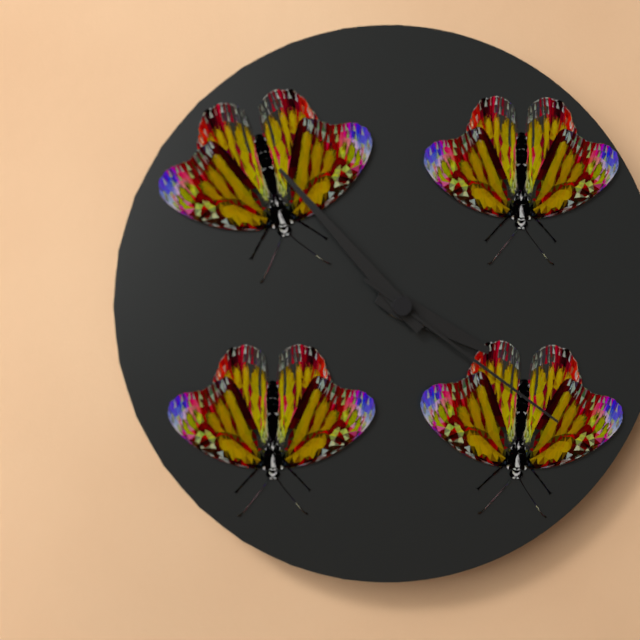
3 h 53 min 21 s
